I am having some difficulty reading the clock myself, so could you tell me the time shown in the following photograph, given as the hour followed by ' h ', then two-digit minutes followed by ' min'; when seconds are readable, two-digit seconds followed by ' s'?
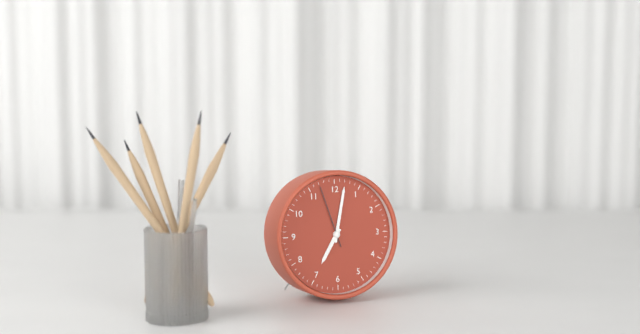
7 h 02 min 57 s
